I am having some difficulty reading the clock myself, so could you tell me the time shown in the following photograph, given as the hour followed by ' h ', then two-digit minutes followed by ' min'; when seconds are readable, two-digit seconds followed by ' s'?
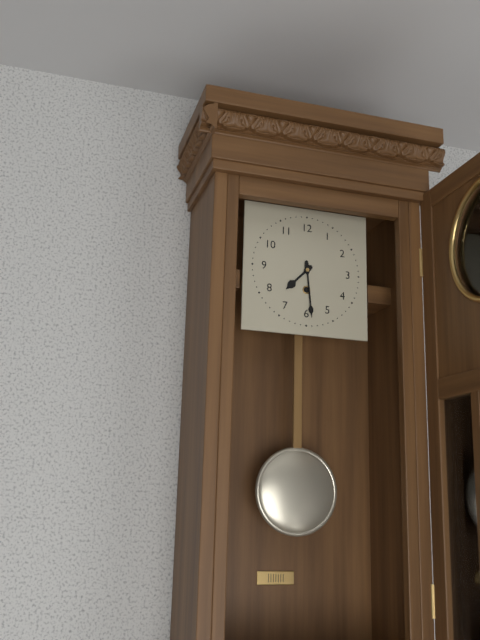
7 h 29 min
